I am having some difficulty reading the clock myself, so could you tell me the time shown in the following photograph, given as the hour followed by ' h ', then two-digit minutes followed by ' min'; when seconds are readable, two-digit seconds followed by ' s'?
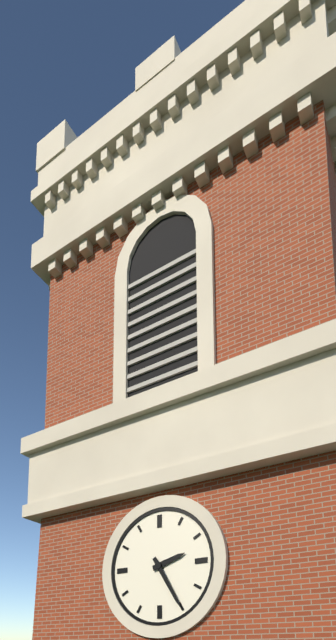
2 h 25 min
